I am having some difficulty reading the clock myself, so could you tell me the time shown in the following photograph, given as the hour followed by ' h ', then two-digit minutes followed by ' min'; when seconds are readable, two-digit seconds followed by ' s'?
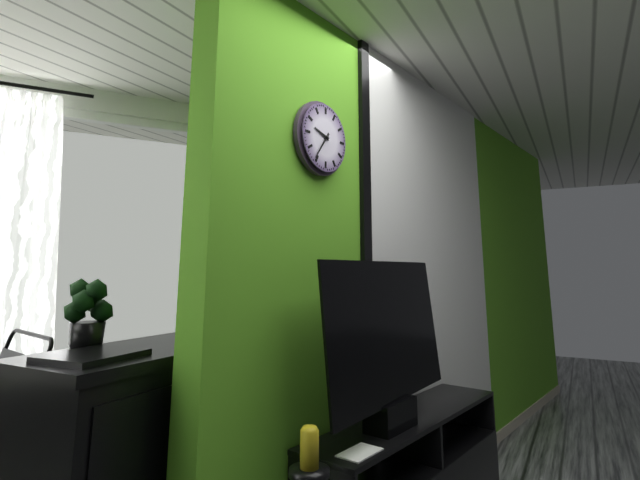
9 h 36 min
